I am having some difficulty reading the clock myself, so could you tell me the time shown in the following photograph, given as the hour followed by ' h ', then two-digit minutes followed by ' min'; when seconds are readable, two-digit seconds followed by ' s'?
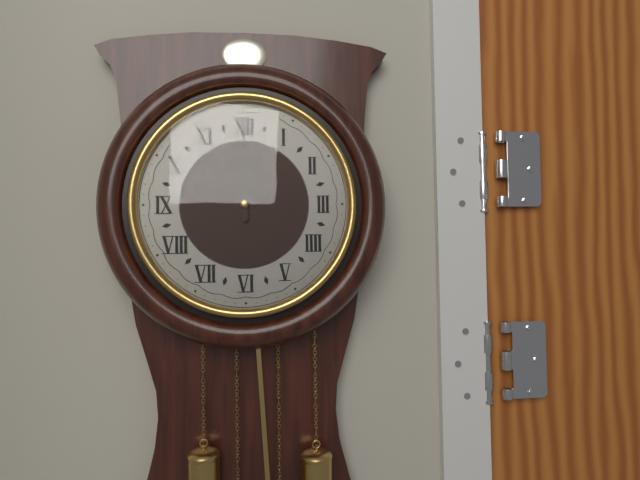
12 h 00 min
